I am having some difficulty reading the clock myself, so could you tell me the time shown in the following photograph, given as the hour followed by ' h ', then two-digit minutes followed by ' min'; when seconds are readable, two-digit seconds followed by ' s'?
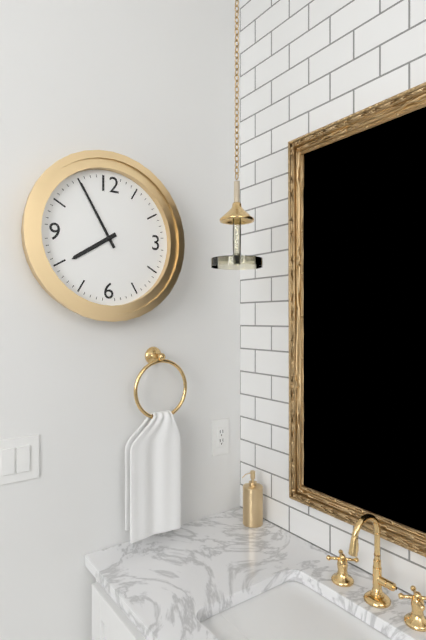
7 h 55 min
